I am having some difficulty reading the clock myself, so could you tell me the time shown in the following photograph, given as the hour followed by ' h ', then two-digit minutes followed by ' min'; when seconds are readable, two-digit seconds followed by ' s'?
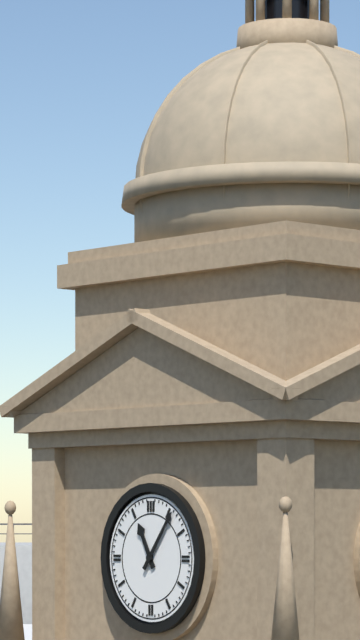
11 h 06 min
